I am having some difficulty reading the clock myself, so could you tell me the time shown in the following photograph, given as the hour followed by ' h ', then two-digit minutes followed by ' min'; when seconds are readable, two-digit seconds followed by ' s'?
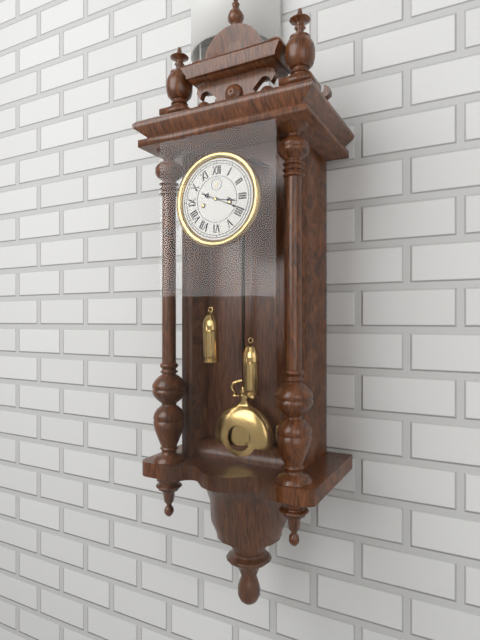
3 h 19 min
